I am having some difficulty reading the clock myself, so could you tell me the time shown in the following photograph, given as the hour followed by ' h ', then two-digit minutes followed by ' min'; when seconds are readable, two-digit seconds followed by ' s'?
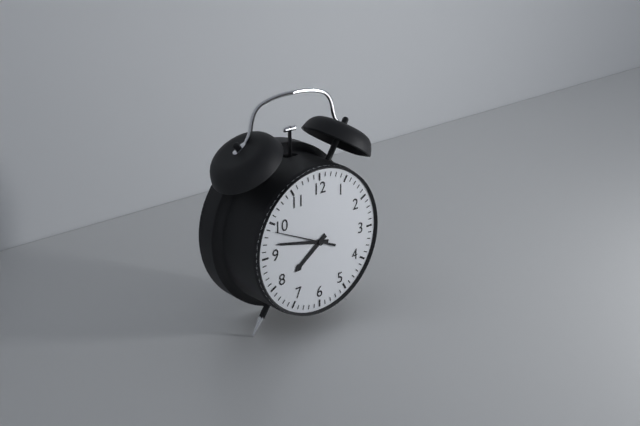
7 h 47 min 49 s
